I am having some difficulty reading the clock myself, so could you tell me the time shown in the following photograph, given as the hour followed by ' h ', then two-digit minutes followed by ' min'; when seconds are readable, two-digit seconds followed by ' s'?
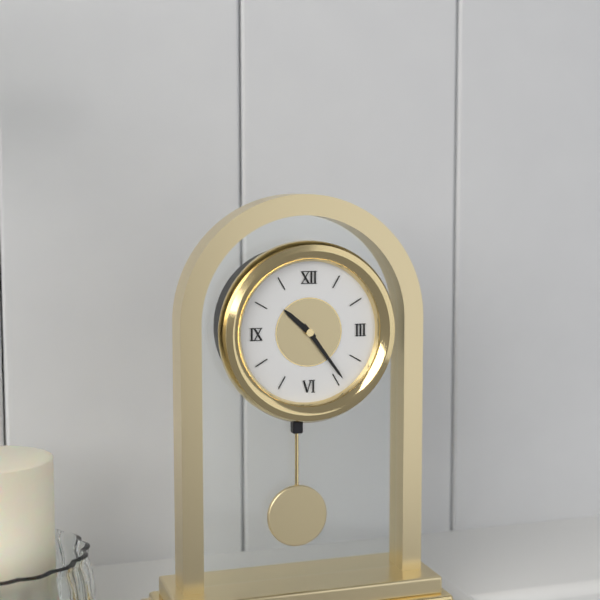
10 h 24 min
